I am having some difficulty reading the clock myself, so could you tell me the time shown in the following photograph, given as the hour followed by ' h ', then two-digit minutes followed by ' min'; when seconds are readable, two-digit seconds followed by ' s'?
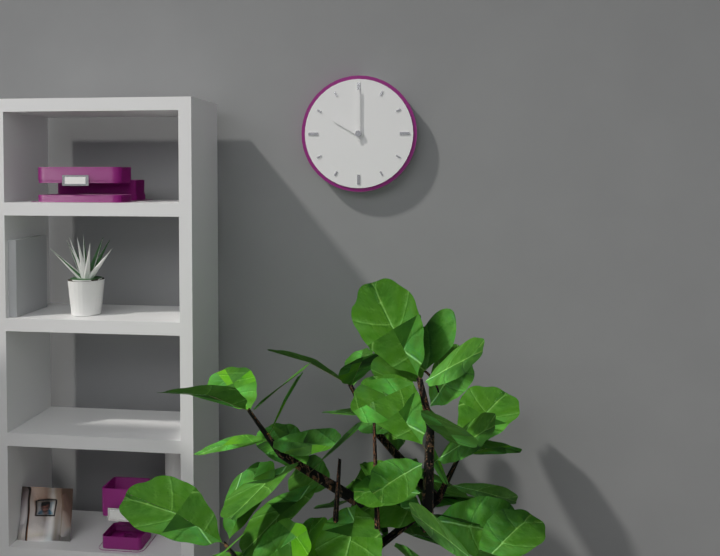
10 h 00 min
